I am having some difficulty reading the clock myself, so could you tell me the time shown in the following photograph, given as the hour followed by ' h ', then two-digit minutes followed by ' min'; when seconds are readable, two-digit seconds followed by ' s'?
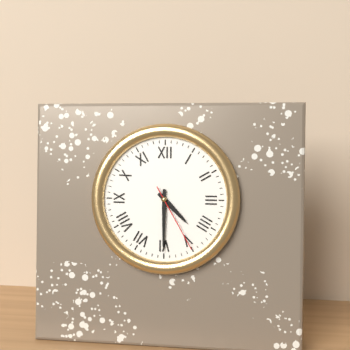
4 h 30 min 25 s
